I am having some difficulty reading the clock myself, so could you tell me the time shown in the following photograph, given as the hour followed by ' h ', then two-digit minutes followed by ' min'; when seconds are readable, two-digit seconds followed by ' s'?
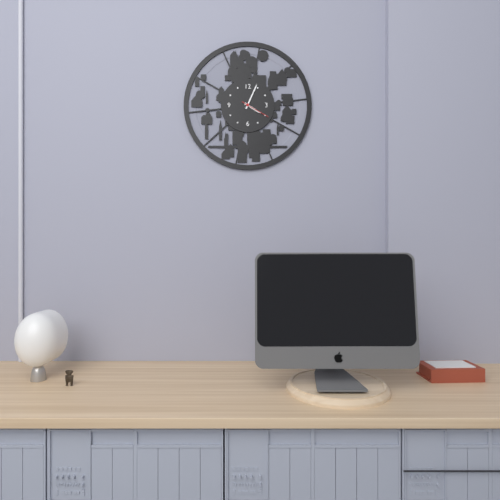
4 h 04 min
